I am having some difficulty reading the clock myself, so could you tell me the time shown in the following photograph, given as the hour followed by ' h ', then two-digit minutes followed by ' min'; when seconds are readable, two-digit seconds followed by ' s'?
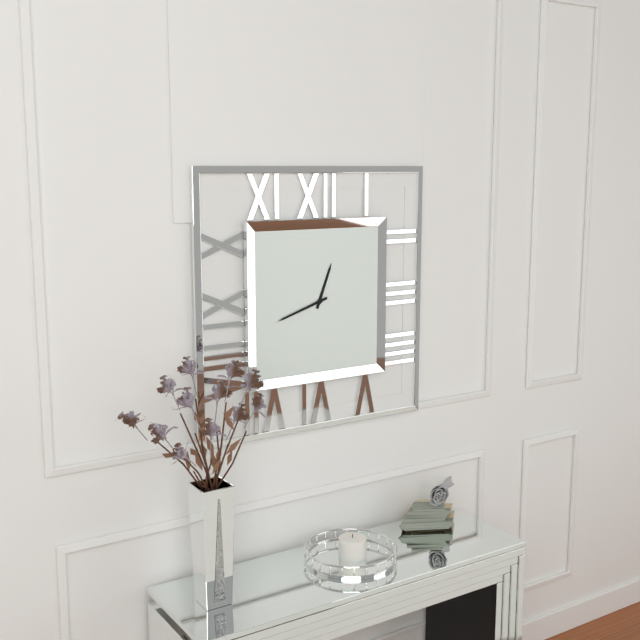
12 h 42 min
